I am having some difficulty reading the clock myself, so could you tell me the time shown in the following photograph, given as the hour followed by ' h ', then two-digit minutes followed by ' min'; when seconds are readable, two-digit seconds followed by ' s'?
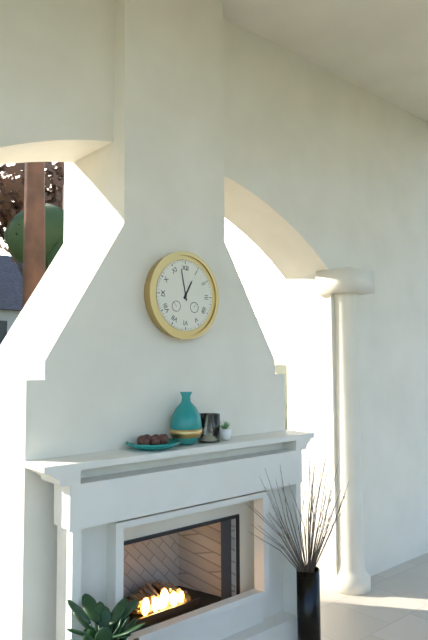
12 h 58 min
